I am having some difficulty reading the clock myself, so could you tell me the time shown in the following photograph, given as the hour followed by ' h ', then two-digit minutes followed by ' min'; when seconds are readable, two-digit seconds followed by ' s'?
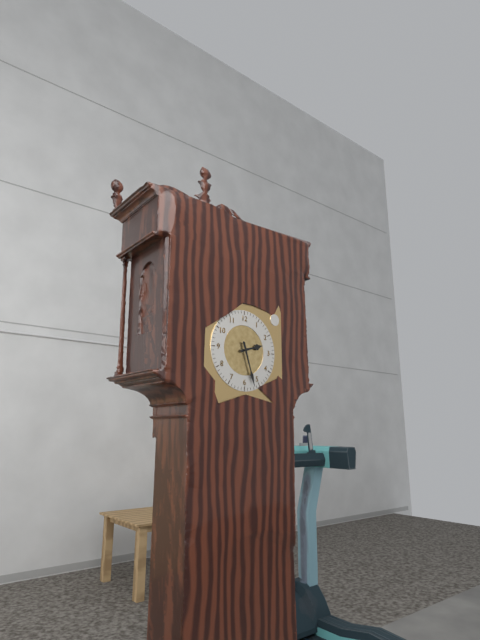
2 h 27 min
